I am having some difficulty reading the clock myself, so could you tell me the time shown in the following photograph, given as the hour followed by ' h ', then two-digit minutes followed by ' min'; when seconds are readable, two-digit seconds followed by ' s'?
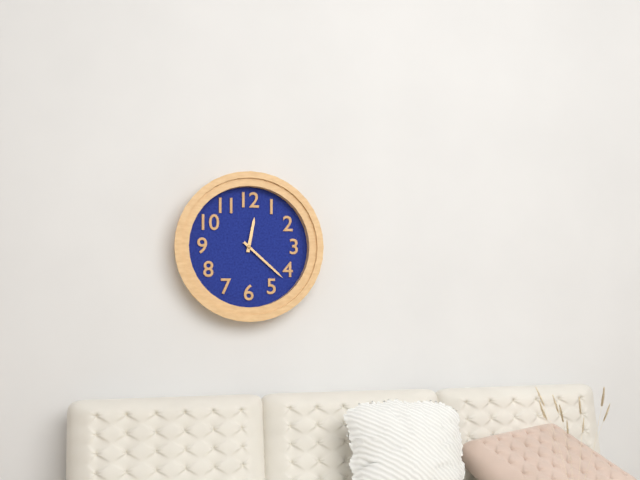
12 h 22 min
